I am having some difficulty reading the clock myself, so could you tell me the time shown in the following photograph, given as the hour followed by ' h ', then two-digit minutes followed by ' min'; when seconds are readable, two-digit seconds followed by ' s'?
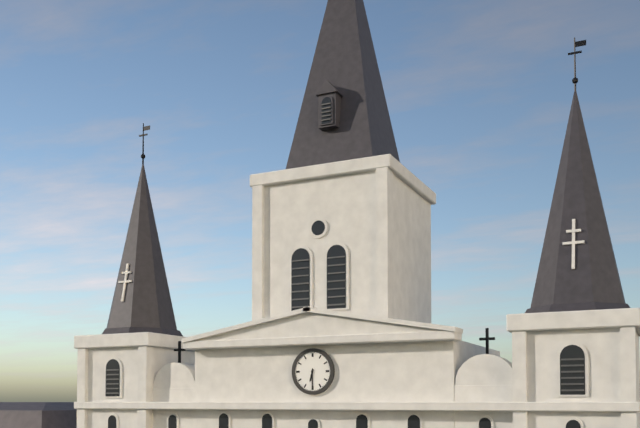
6 h 30 min
